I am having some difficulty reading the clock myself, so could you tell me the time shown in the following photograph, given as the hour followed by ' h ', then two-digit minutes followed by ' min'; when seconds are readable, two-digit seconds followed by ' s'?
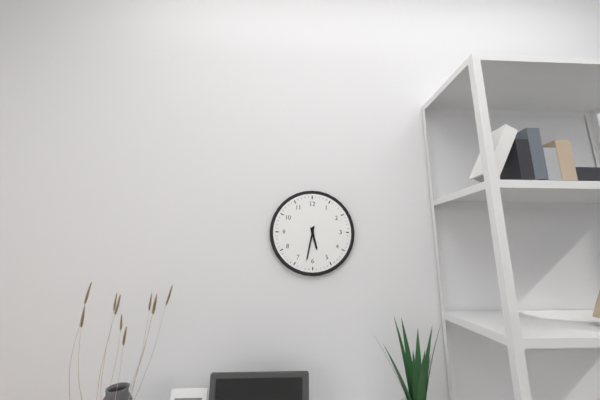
5 h 32 min
